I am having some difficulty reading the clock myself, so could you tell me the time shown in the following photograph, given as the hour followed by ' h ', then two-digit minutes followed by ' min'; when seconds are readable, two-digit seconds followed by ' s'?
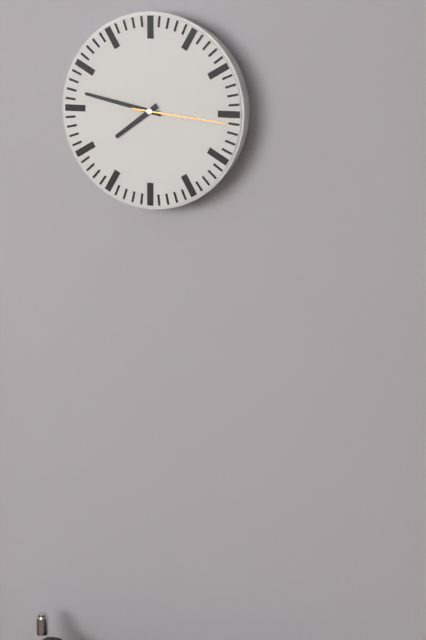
7 h 47 min 16 s
